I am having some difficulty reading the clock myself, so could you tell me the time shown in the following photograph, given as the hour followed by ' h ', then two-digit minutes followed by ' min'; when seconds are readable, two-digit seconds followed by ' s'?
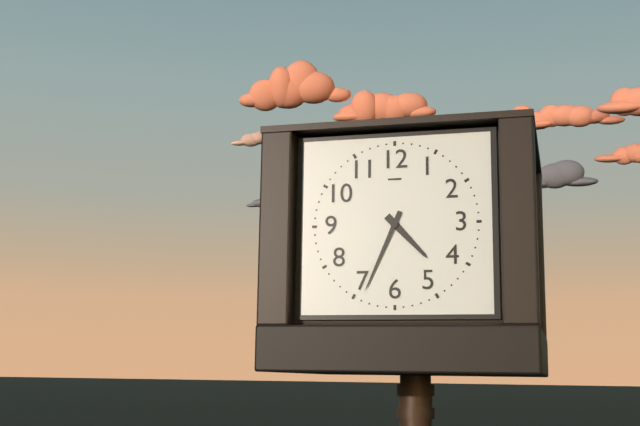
4 h 34 min
